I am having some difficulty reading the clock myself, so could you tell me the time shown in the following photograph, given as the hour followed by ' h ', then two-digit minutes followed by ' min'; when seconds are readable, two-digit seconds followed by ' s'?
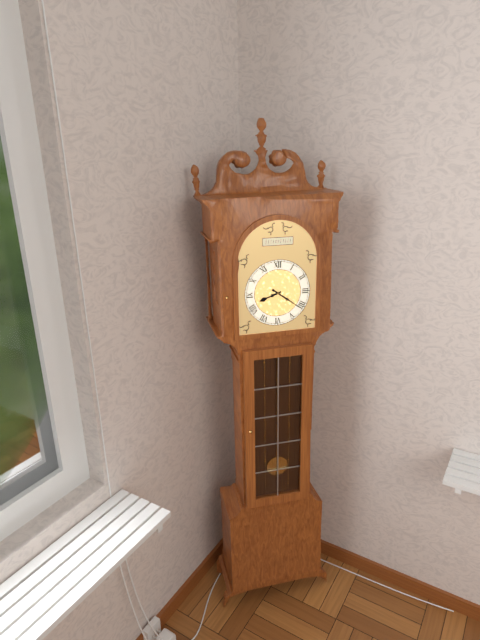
8 h 21 min
